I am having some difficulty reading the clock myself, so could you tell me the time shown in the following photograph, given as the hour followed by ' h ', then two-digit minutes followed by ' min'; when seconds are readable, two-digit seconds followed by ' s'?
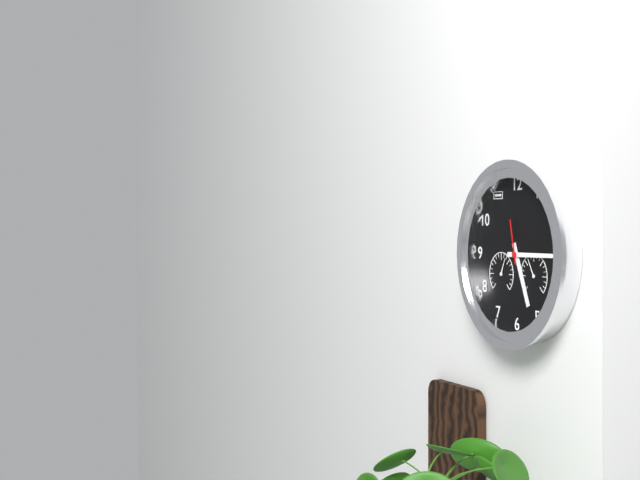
5 h 15 min
